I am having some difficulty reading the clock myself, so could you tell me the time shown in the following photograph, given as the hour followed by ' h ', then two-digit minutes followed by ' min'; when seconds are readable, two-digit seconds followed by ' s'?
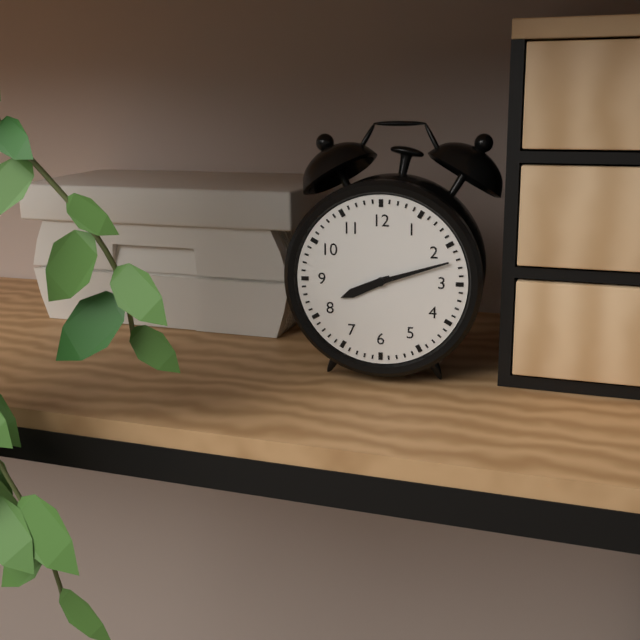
8 h 12 min
